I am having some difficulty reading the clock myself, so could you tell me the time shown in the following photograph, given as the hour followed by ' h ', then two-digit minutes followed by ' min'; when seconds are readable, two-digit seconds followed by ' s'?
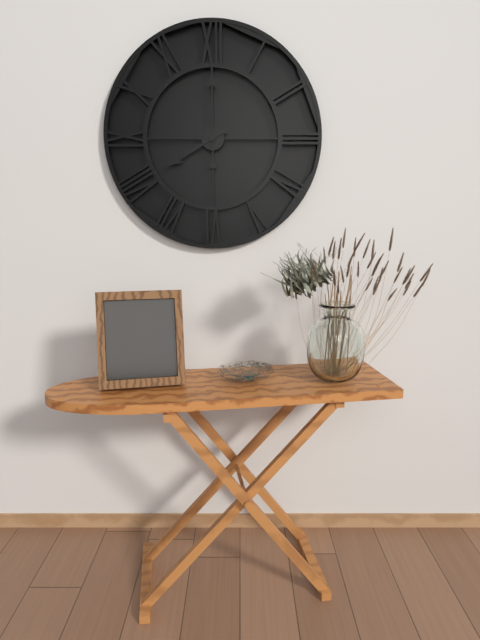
8 h 00 min
